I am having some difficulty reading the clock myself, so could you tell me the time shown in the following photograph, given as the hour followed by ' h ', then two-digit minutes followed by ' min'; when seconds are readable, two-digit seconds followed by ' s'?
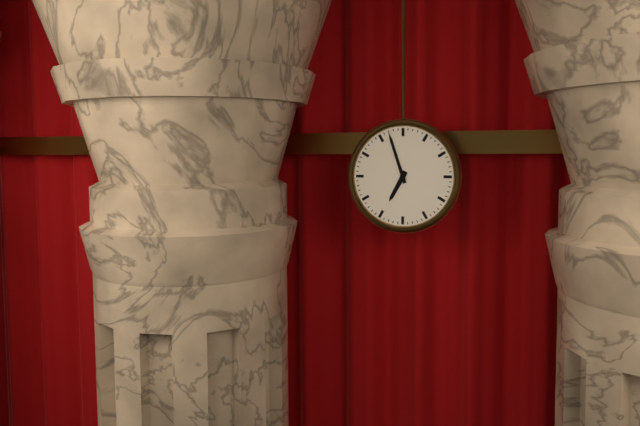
6 h 57 min
